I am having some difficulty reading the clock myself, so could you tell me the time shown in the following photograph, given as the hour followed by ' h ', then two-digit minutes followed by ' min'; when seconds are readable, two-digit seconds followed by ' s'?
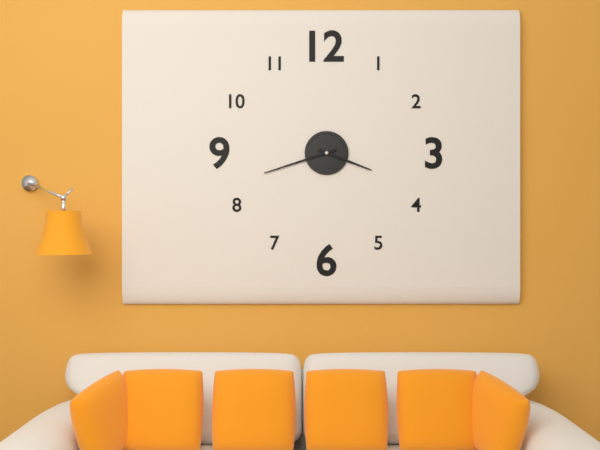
3 h 42 min
